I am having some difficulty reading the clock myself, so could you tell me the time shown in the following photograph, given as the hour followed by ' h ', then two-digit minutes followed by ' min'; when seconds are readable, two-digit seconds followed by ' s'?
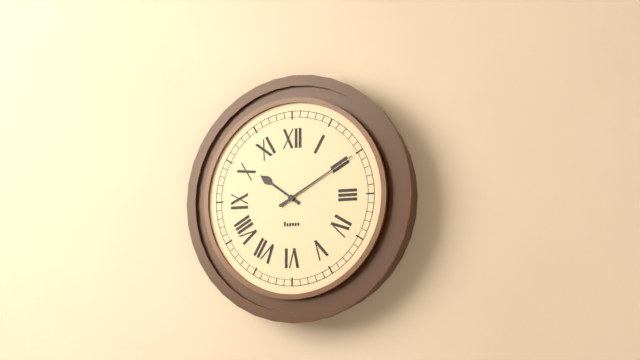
10 h 10 min
